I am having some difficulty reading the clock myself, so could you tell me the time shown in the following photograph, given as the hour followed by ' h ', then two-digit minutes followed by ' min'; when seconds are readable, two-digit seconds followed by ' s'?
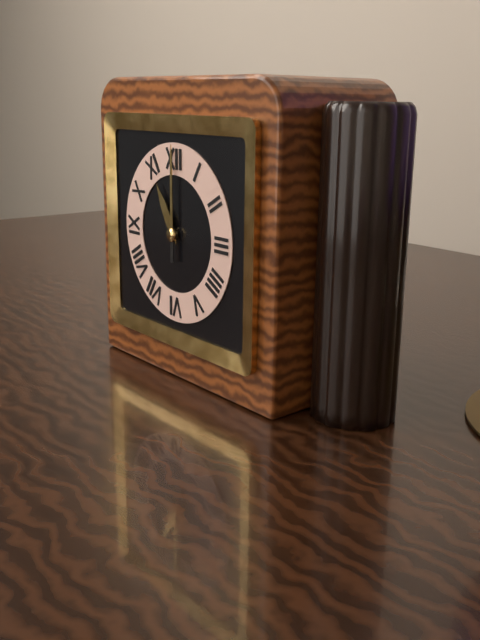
11 h 00 min
